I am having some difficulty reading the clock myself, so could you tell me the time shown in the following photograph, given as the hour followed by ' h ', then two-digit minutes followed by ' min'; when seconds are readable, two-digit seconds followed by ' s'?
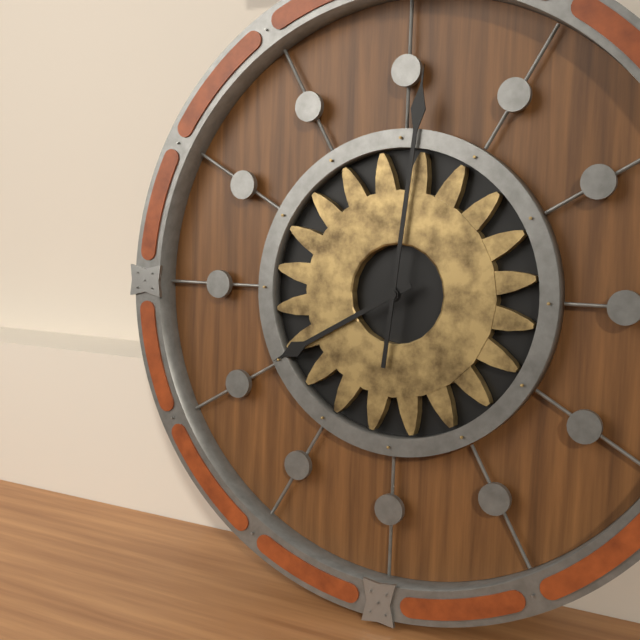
8 h 01 min
